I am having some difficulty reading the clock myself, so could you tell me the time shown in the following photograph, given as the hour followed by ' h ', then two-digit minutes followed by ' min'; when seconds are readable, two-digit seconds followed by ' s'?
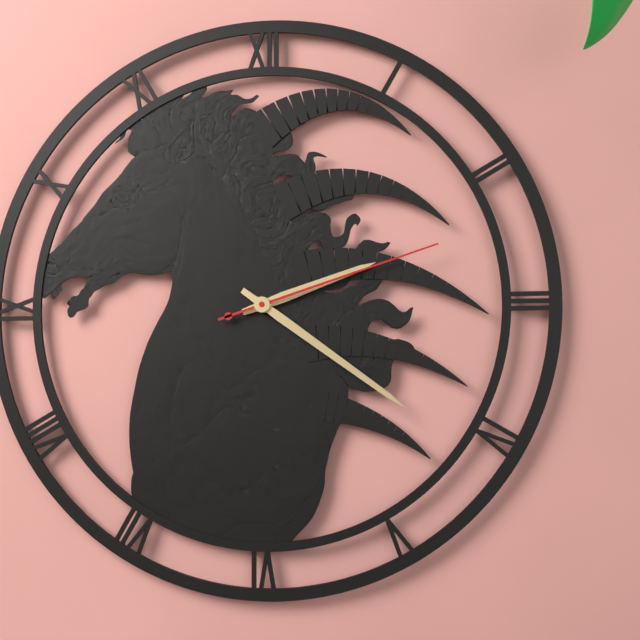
2 h 21 min 12 s
